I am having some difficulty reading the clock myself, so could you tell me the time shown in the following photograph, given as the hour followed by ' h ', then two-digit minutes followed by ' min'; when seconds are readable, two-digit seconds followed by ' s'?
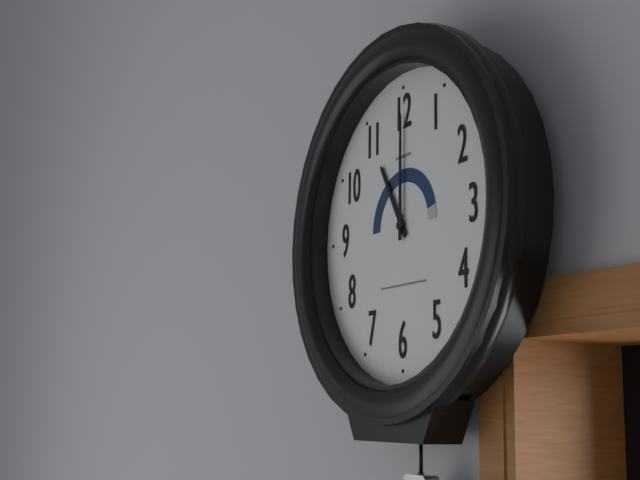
11 h 00 min
